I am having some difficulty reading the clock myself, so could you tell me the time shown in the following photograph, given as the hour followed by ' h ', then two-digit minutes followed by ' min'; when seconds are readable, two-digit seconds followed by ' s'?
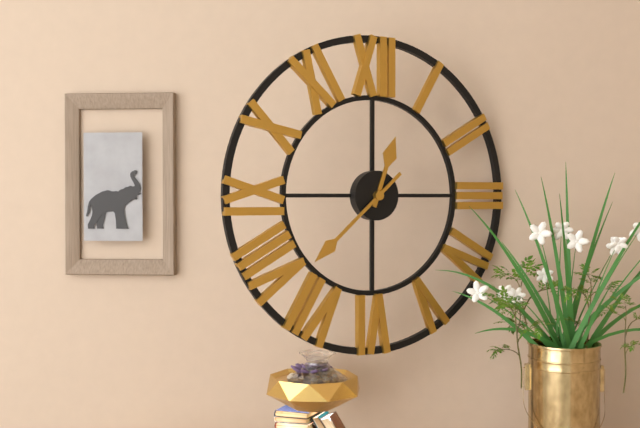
12 h 38 min
